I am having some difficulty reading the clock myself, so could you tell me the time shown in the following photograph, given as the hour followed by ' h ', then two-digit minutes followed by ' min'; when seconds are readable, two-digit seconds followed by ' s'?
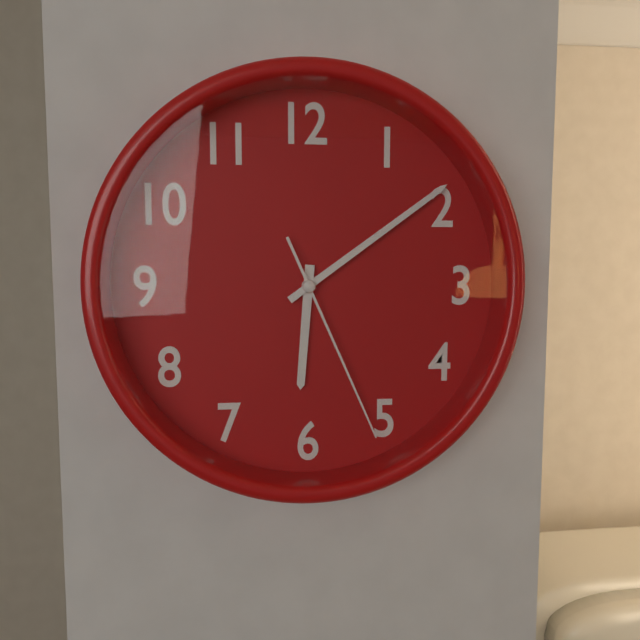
6 h 09 min 26 s
